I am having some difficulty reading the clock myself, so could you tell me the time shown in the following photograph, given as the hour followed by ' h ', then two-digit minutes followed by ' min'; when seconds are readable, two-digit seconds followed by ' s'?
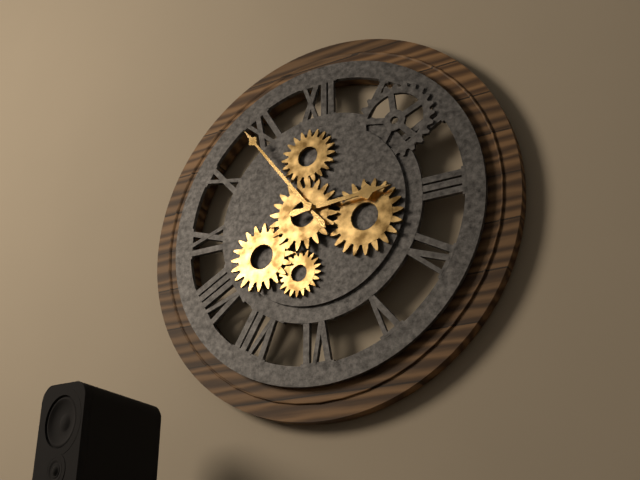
2 h 54 min
